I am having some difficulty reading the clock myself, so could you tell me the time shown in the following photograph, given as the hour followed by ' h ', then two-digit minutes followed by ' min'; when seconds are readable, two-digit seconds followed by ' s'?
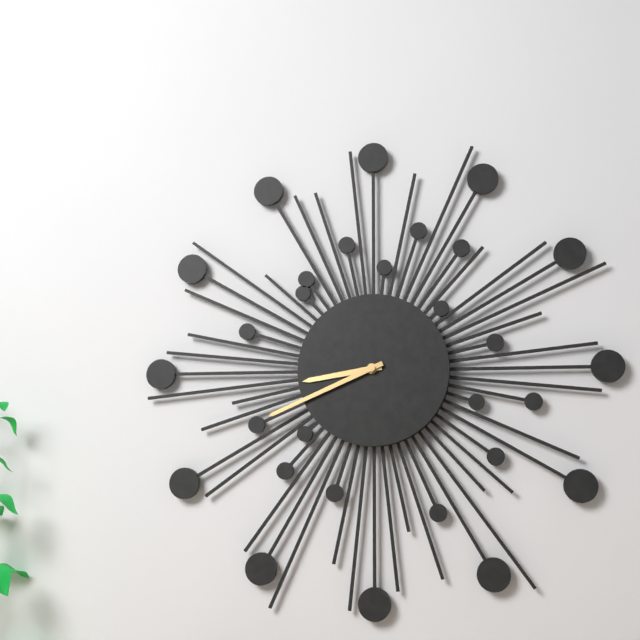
8 h 41 min
